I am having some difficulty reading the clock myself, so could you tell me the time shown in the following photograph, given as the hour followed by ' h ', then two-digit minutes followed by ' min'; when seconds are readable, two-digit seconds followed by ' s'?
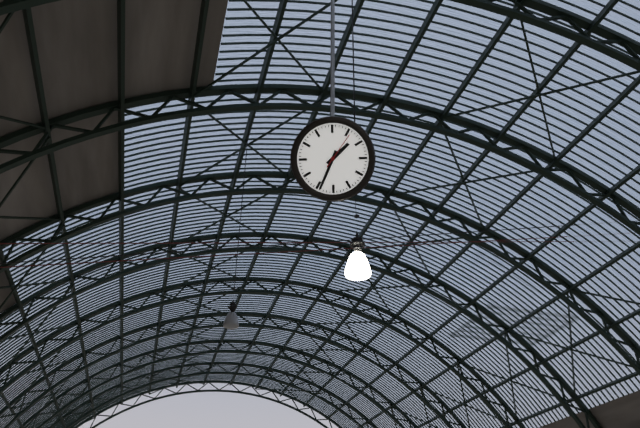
1 h 34 min
